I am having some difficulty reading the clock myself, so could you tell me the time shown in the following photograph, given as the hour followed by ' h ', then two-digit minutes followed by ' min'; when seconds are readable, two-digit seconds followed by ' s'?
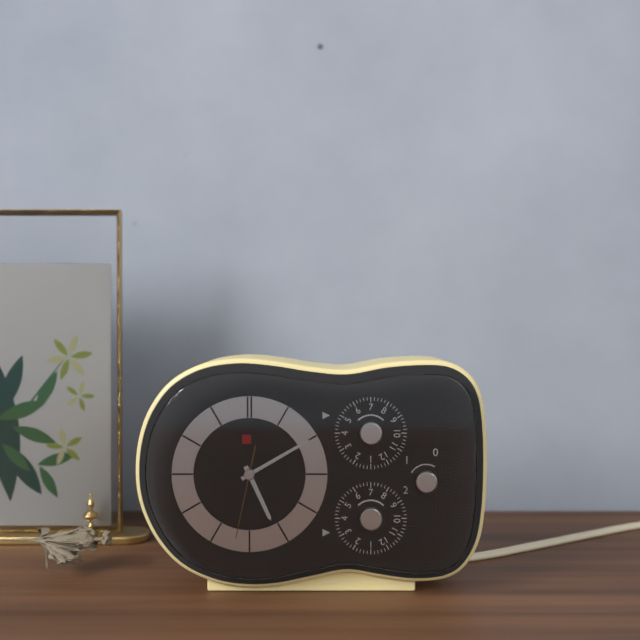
5 h 10 min 32 s
